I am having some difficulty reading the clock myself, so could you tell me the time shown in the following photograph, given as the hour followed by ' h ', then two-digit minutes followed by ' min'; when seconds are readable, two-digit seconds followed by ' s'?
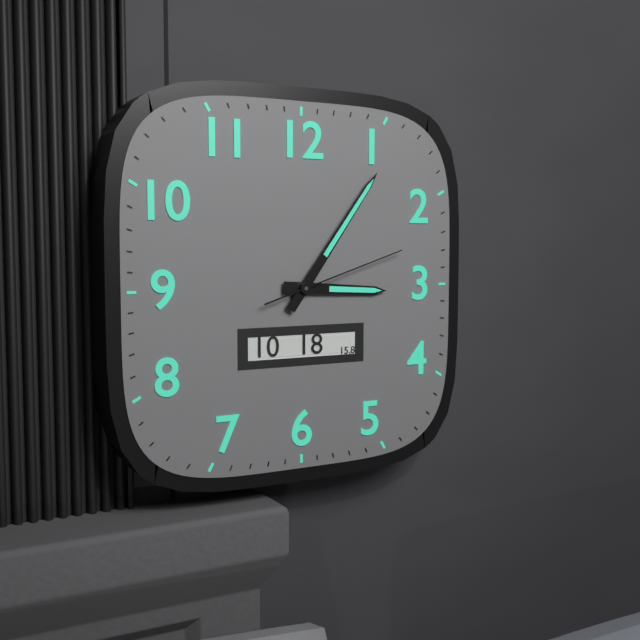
3 h 06 min 12 s
